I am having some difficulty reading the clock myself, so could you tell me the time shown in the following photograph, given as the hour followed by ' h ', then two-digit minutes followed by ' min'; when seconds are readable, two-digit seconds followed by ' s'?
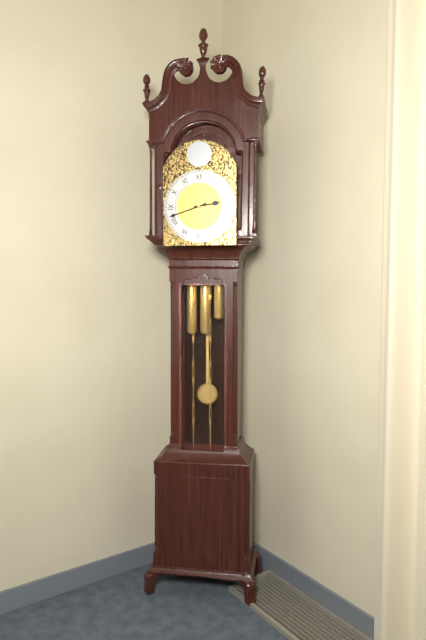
2 h 42 min
